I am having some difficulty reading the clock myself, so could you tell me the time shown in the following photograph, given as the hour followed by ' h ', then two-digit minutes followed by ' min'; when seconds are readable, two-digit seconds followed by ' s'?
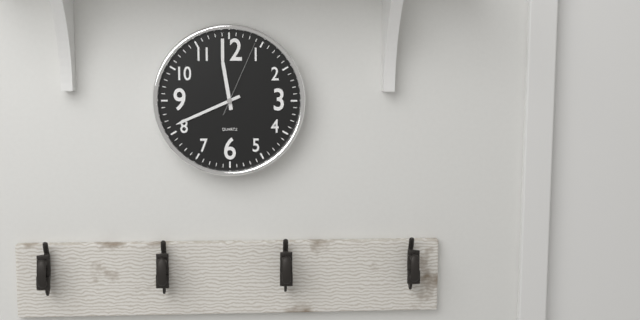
11 h 41 min 04 s
